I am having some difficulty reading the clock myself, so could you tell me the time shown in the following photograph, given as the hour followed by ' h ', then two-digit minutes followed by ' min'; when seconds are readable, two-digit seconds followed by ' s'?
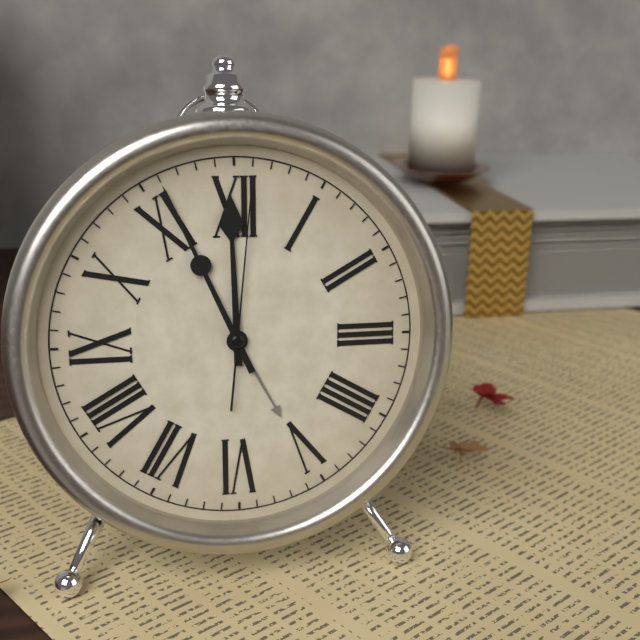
11 h 56 min 01 s
